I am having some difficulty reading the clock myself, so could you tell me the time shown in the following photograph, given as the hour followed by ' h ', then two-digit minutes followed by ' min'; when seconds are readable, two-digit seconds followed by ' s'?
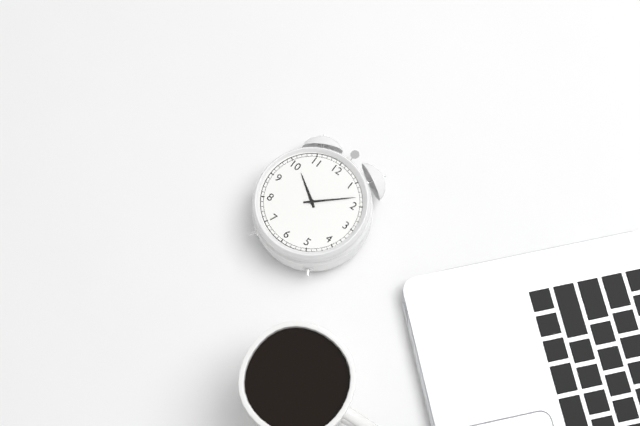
10 h 08 min
